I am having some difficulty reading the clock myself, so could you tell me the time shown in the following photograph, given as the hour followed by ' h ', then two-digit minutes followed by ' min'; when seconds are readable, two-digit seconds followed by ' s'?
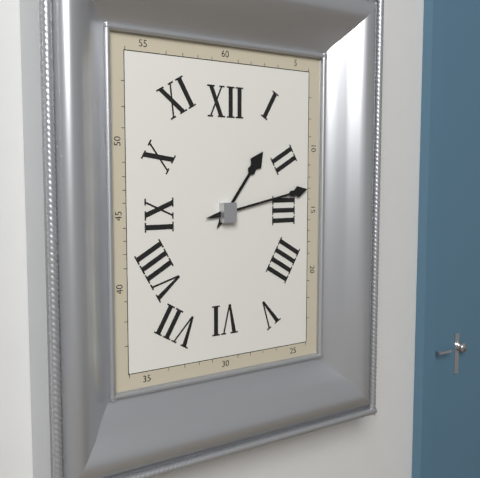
1 h 13 min
